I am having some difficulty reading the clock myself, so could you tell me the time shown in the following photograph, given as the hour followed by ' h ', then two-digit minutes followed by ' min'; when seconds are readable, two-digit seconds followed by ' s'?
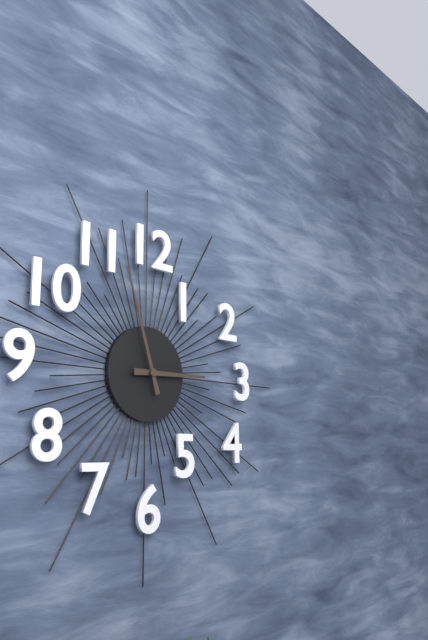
2 h 57 min
